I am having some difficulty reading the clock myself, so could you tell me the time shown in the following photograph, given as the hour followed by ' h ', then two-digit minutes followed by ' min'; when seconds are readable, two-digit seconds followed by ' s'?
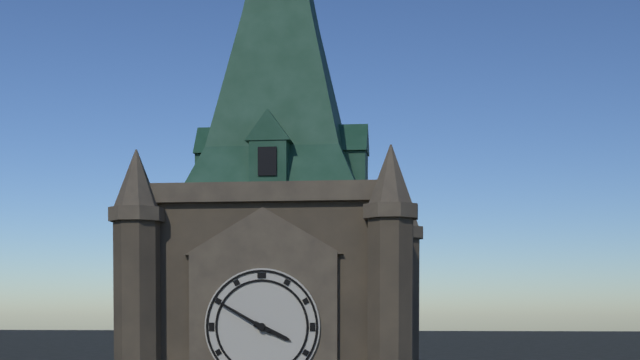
3 h 50 min
